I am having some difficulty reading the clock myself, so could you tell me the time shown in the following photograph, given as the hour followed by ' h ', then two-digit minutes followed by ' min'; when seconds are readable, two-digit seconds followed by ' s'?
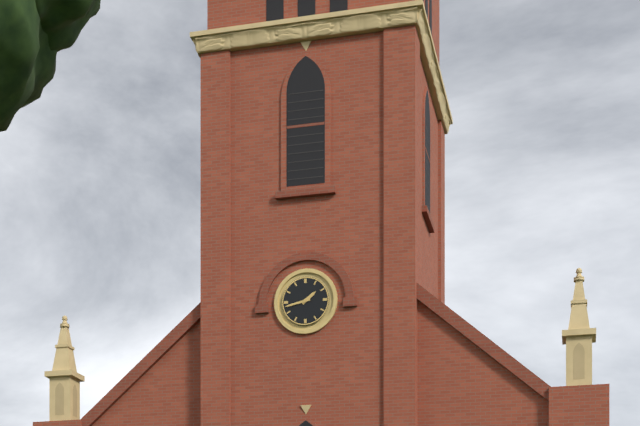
1 h 43 min
